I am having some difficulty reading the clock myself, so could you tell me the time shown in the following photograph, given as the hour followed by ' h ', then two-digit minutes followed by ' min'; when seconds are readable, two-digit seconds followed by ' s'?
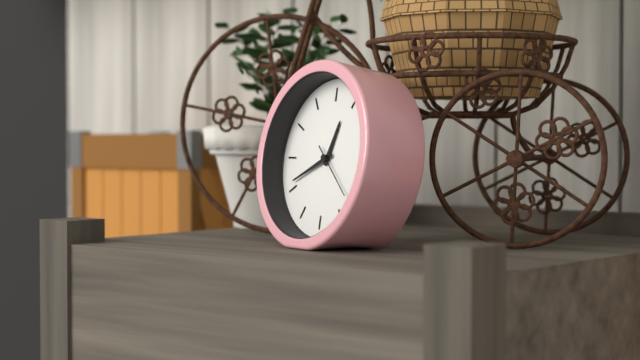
12 h 41 min
